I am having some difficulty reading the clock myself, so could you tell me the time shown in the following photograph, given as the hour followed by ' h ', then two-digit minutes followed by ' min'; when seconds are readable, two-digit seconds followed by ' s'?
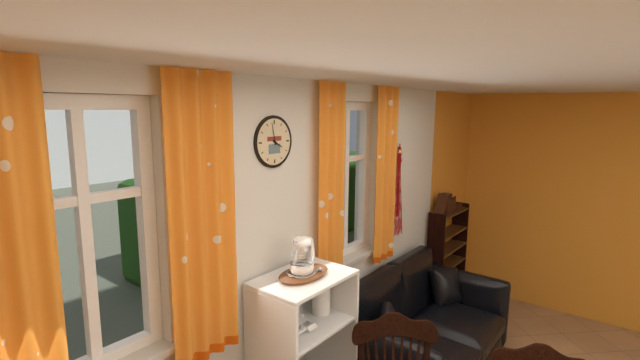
3 h 58 min
